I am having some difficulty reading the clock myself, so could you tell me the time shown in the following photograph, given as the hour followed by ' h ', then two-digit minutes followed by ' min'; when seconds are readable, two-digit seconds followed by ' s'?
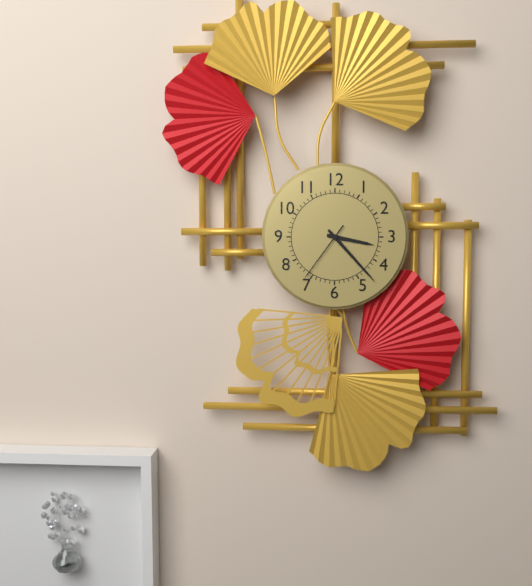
3 h 23 min 36 s
